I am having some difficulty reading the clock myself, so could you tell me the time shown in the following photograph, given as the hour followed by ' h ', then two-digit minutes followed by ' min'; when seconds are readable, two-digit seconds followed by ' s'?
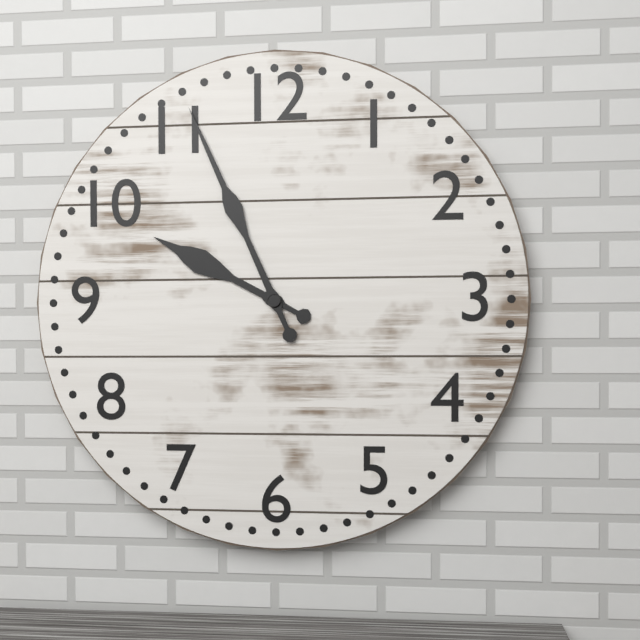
9 h 56 min
